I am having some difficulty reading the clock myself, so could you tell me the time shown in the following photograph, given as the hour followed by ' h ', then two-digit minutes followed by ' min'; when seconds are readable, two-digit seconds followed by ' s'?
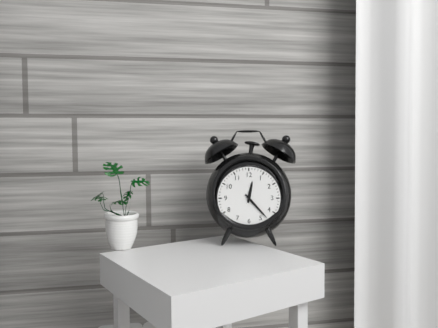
12 h 23 min
